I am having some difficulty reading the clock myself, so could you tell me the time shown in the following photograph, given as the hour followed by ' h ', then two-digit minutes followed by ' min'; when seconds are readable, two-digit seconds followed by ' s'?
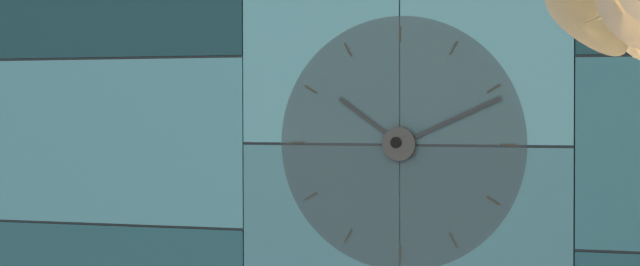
10 h 11 min
